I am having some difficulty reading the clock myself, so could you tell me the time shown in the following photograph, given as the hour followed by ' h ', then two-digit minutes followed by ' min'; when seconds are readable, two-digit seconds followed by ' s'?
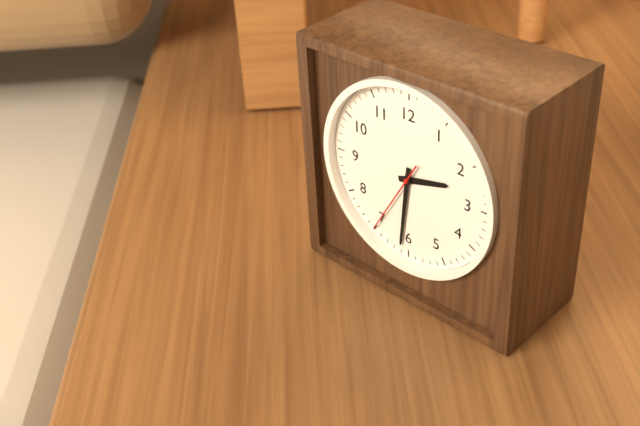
2 h 31 min 35 s
